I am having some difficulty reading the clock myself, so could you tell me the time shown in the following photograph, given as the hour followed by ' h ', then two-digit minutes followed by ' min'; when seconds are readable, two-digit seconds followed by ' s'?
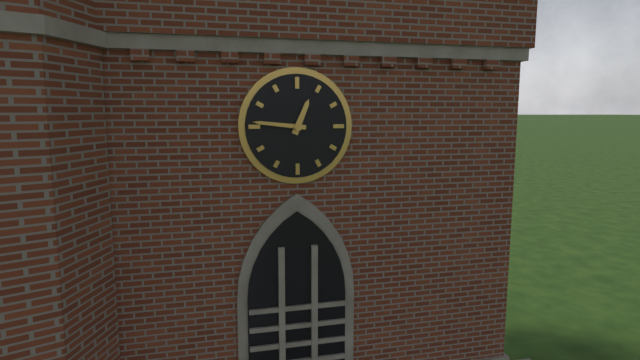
12 h 46 min
